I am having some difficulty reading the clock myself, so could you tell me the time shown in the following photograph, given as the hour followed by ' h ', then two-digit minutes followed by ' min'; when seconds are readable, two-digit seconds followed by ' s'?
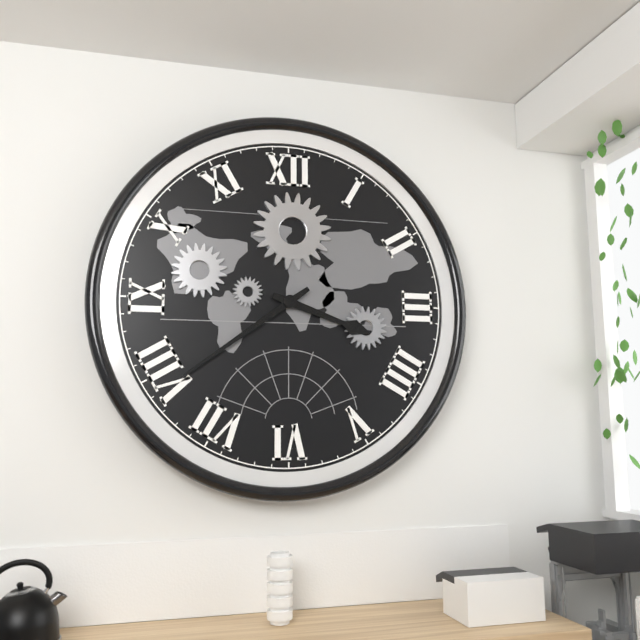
3 h 39 min
